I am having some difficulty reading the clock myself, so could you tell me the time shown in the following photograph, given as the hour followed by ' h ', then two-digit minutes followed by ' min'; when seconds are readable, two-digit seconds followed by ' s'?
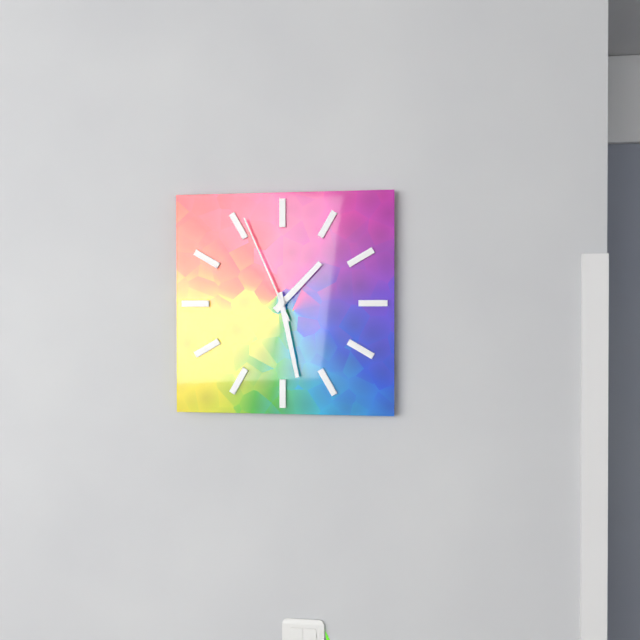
1 h 28 min 56 s
